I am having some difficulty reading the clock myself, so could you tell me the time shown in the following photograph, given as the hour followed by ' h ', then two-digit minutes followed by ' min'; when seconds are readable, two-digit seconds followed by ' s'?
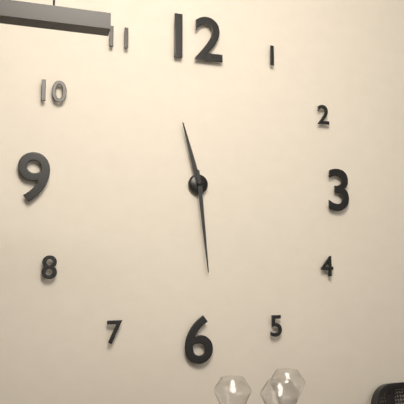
11 h 29 min
